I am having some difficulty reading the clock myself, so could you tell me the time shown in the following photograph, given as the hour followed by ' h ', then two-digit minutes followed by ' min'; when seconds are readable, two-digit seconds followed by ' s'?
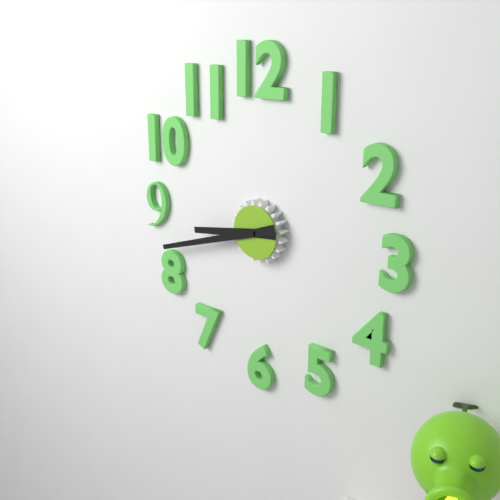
8 h 42 min
